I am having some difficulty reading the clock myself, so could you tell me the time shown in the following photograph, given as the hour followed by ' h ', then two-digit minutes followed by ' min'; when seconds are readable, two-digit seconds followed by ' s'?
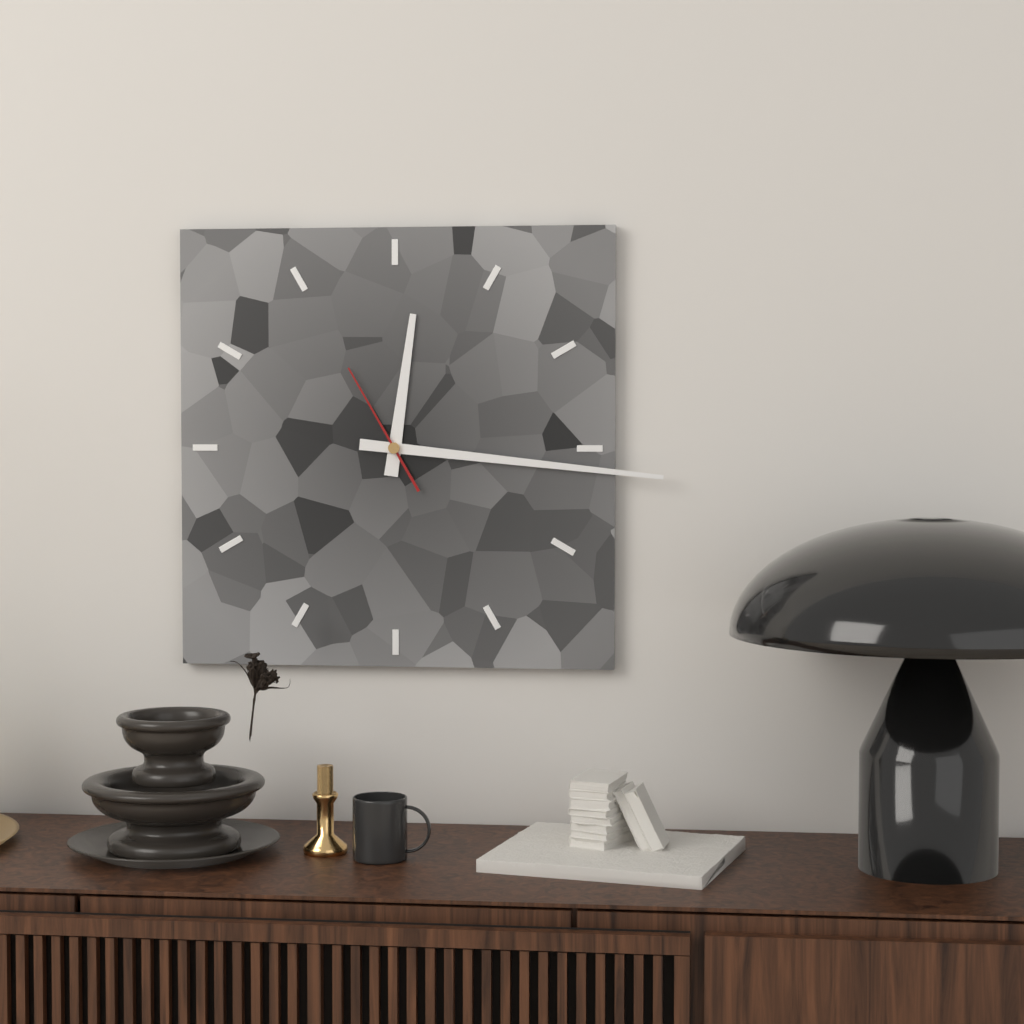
12 h 16 min 55 s
